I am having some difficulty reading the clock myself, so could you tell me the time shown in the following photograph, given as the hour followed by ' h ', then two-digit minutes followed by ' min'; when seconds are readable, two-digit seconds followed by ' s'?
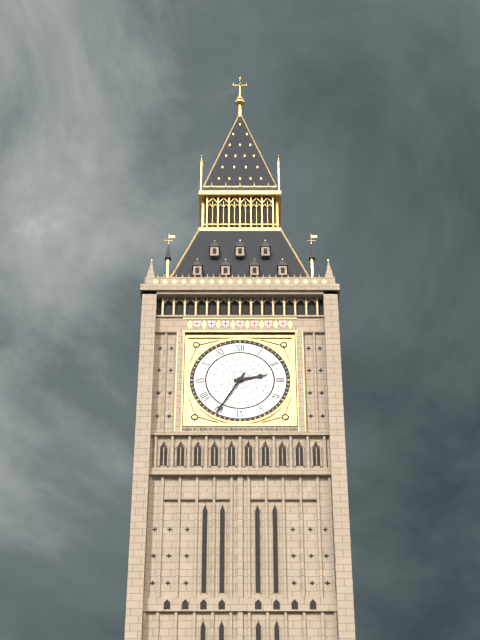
2 h 35 min
